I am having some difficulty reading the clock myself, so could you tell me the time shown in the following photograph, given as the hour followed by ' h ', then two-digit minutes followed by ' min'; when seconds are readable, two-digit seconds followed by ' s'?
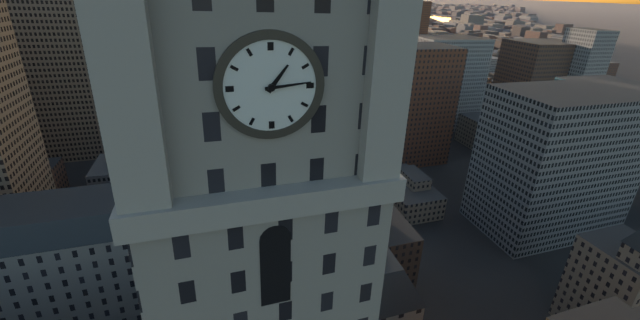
1 h 14 min
